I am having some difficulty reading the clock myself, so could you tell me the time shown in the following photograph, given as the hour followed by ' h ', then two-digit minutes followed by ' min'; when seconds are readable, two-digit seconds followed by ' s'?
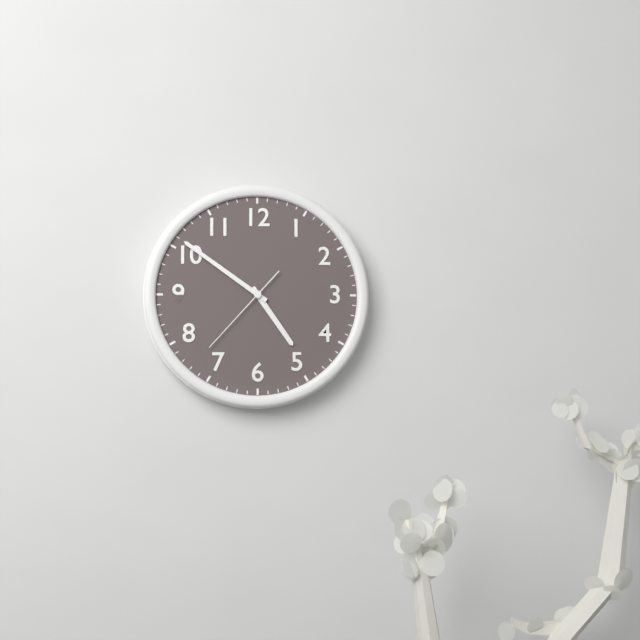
4 h 51 min 37 s
